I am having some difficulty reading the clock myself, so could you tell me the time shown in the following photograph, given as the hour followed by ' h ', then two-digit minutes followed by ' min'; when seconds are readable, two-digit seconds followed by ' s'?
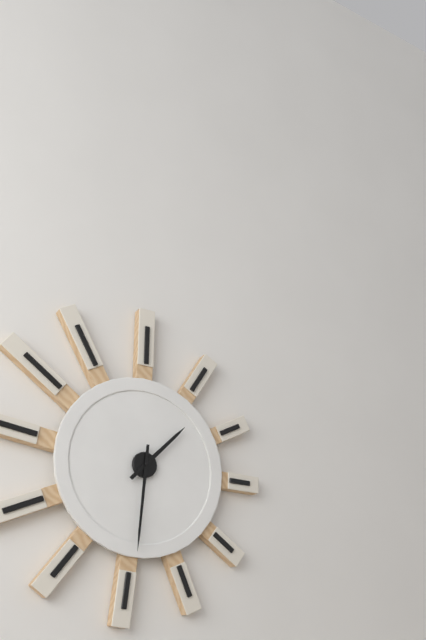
1 h 31 min
